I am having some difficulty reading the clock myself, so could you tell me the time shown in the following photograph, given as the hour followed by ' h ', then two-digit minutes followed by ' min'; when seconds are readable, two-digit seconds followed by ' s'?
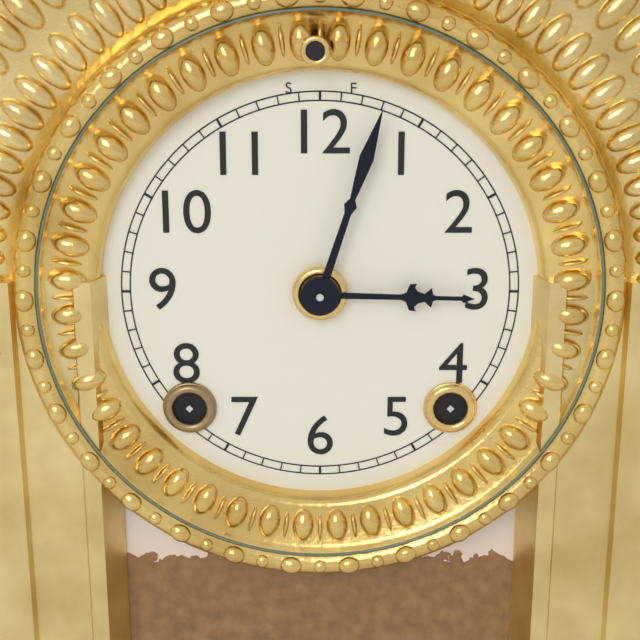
3 h 03 min
